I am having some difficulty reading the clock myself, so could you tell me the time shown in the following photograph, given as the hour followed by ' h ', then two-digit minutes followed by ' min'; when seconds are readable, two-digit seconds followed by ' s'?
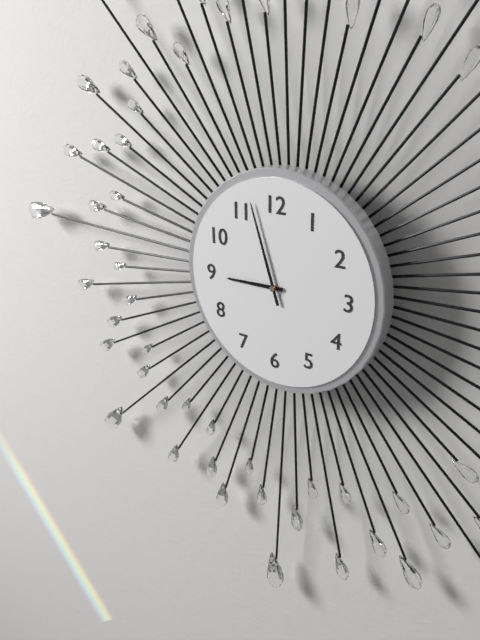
8 h 57 min
